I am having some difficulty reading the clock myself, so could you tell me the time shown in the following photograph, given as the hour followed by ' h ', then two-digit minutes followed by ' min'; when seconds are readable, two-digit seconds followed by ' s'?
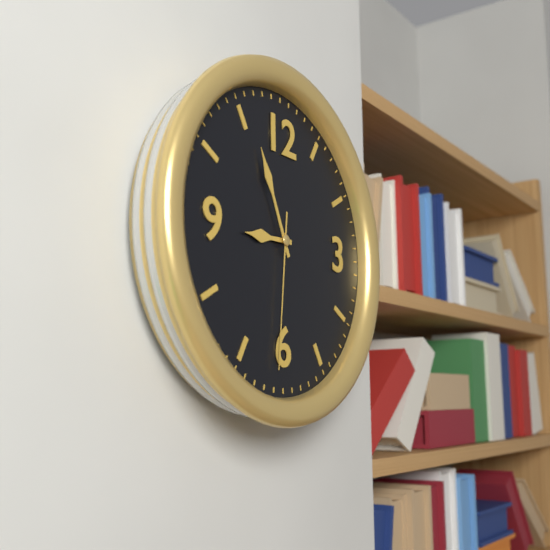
8 h 56 min 31 s
